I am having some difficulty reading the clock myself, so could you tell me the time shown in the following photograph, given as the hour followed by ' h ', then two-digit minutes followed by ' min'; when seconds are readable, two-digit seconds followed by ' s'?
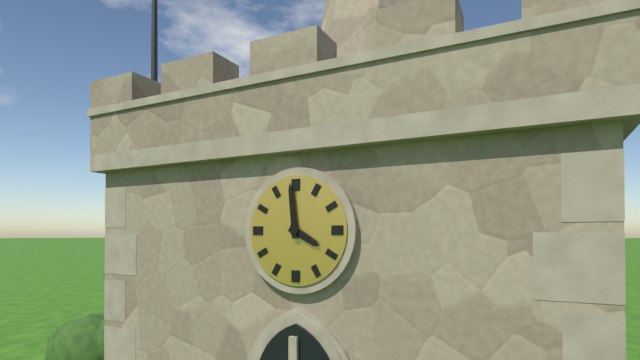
3 h 59 min
